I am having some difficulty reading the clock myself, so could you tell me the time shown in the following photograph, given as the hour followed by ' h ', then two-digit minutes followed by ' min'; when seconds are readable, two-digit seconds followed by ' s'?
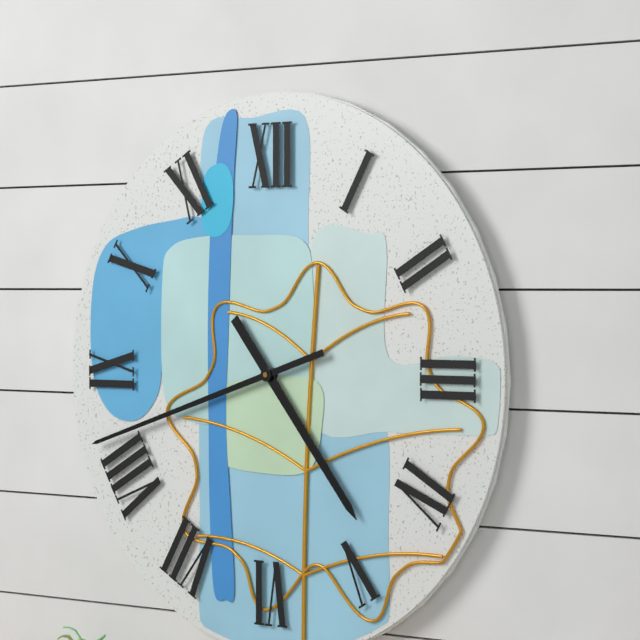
4 h 42 min
